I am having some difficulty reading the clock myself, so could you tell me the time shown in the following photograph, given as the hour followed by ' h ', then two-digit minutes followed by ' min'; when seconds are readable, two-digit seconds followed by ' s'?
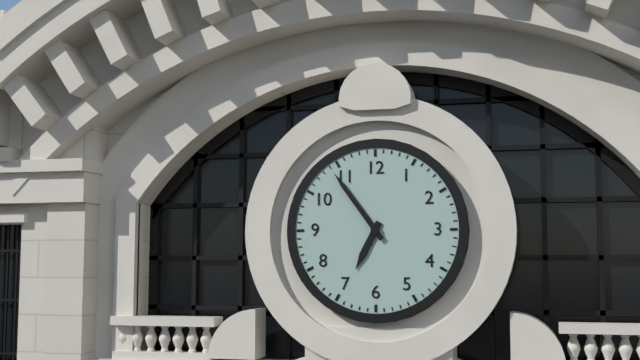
6 h 54 min
